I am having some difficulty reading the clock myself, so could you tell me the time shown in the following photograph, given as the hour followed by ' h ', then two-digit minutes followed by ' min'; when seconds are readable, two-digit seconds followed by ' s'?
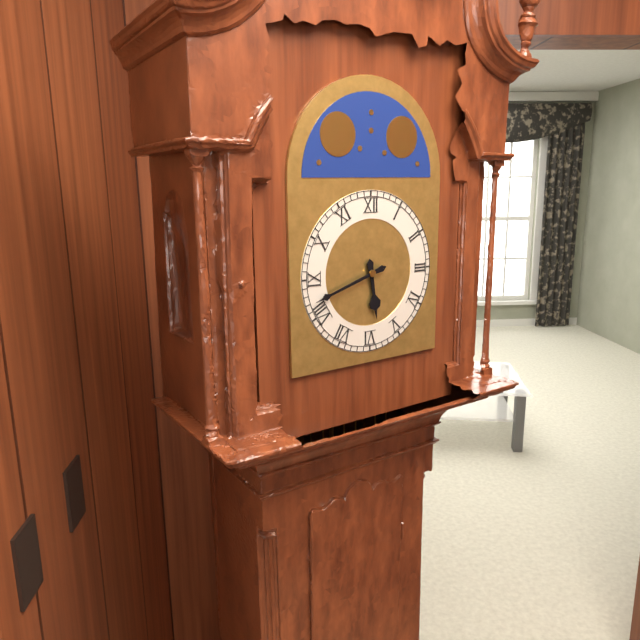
5 h 42 min
